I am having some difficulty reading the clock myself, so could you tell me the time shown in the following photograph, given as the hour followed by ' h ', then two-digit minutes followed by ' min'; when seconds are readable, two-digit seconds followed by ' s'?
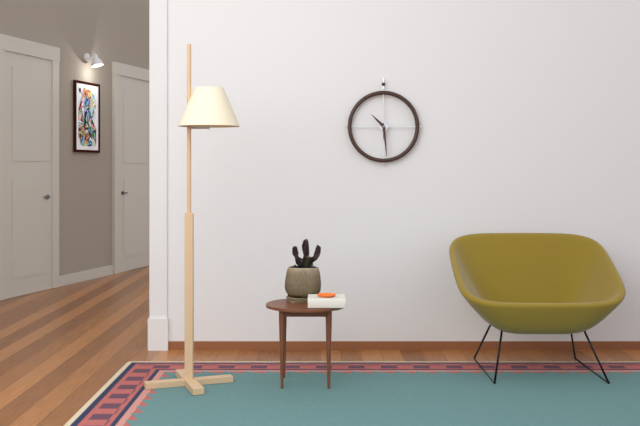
10 h 29 min
